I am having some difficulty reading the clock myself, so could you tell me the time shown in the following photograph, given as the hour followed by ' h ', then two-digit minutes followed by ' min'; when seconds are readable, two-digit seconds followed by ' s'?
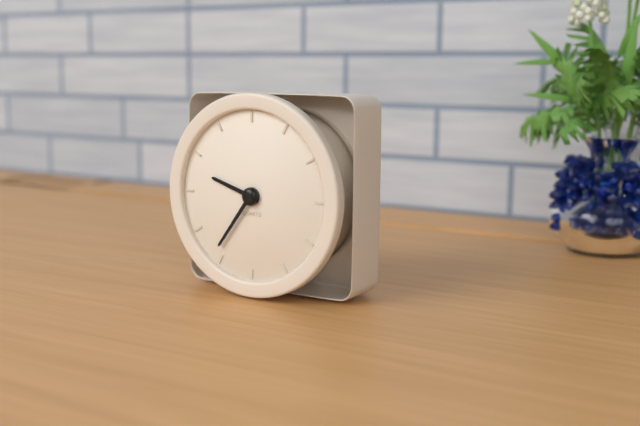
9 h 36 min
